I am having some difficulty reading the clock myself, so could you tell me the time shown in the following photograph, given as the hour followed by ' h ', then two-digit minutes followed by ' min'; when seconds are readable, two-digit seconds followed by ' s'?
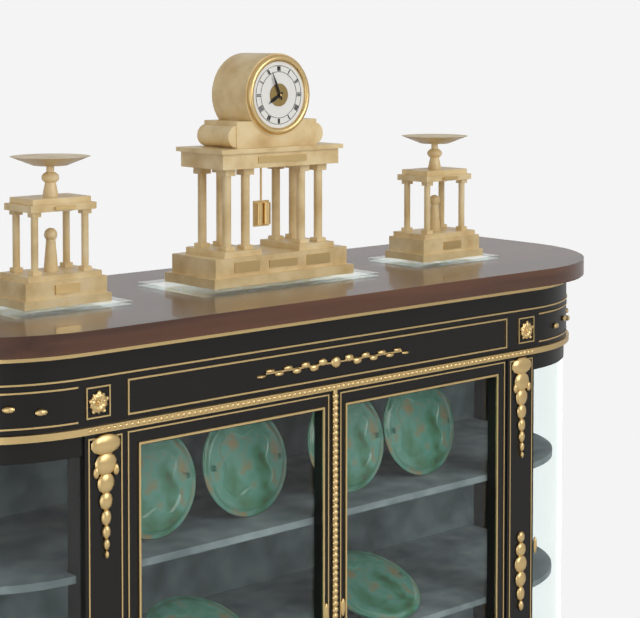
7 h 56 min
